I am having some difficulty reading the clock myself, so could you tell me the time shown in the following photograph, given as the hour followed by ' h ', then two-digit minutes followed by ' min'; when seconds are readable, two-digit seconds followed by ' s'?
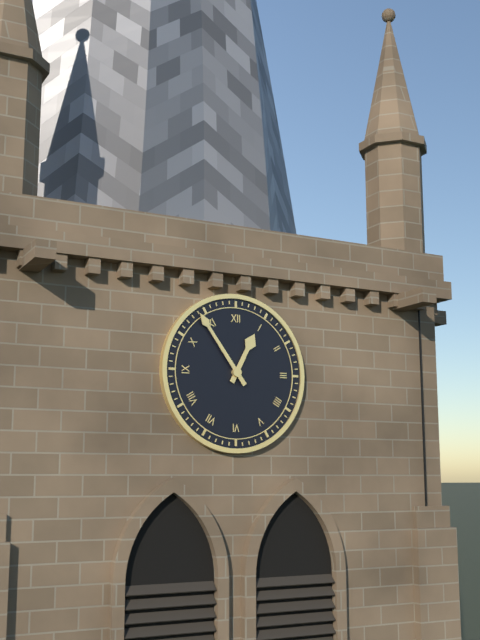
12 h 54 min
